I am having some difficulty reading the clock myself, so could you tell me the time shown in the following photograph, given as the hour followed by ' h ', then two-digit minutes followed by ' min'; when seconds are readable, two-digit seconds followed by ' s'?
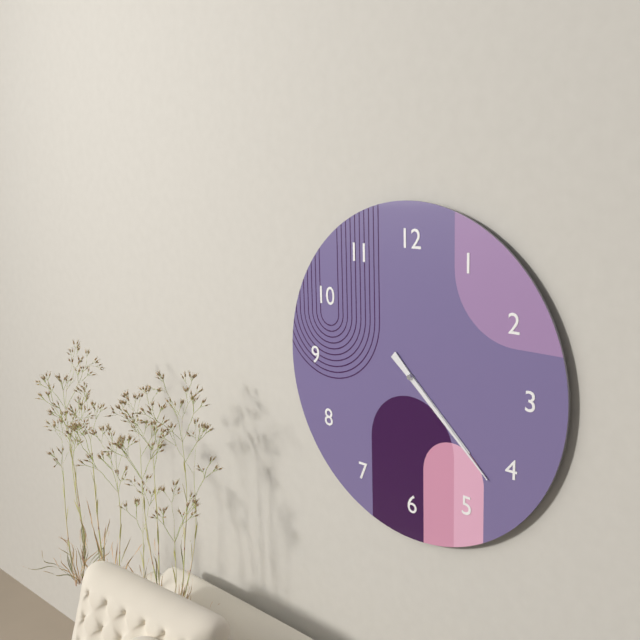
4 h 22 min
